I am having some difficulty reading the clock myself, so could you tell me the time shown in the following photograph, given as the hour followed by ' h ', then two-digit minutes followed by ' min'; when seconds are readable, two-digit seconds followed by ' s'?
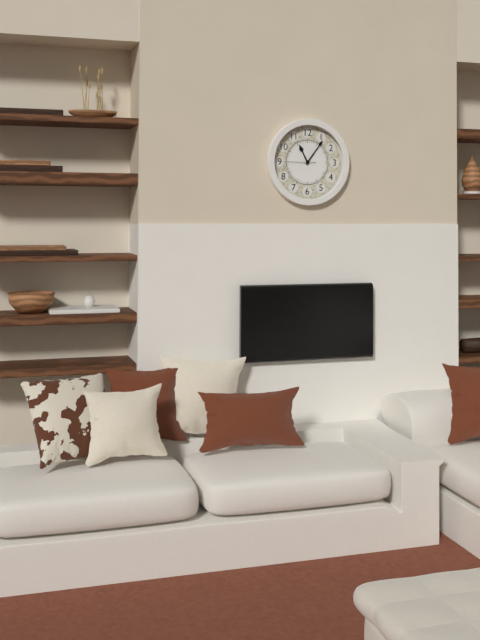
11 h 06 min
